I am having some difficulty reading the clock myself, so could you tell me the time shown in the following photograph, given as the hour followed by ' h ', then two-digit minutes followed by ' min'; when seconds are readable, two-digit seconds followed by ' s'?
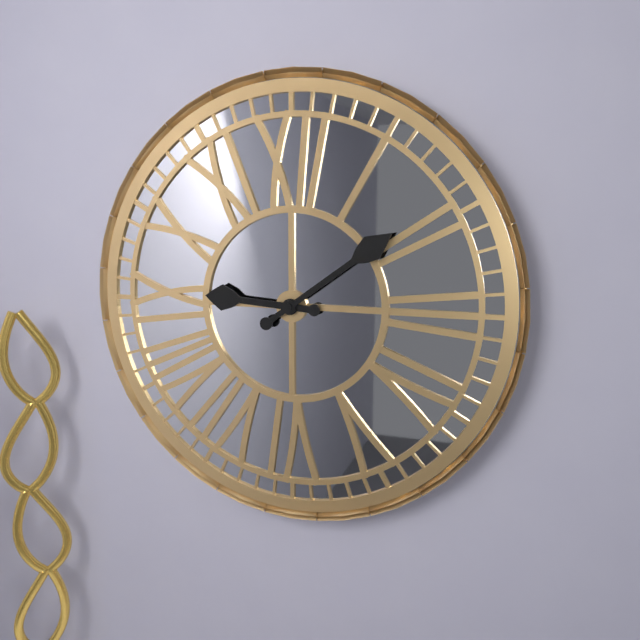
9 h 09 min
